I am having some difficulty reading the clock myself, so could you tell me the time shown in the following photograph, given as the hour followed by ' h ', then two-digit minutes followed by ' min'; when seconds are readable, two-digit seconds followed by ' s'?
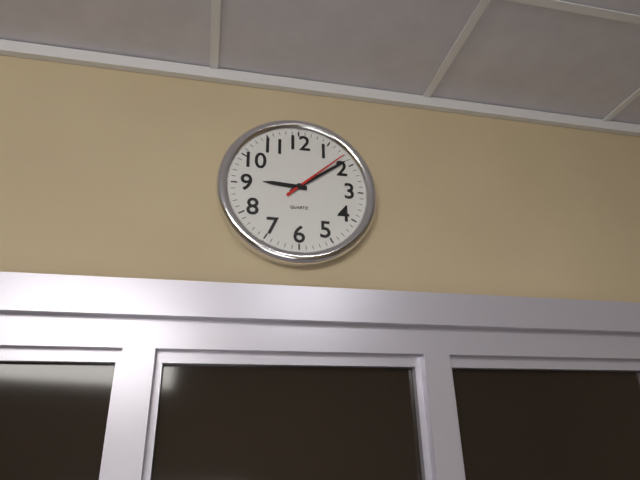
9 h 09 min 08 s
